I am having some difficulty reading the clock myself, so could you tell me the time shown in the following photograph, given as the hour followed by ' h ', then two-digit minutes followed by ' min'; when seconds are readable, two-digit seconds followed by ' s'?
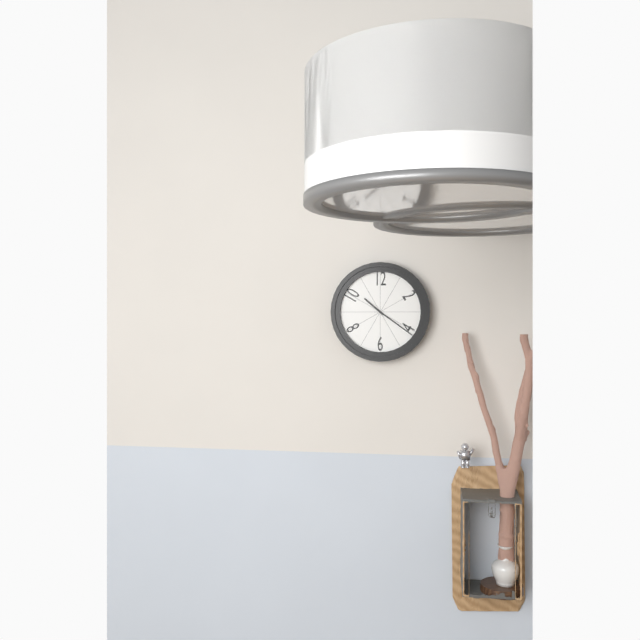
10 h 21 min
